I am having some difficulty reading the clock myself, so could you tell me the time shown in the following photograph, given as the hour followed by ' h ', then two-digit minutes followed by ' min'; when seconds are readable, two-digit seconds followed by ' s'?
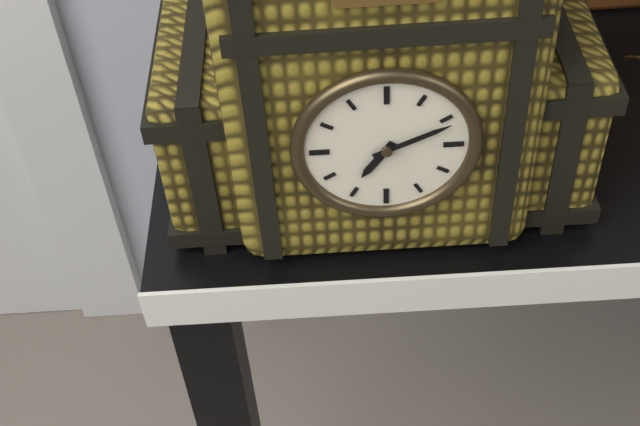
7 h 11 min
